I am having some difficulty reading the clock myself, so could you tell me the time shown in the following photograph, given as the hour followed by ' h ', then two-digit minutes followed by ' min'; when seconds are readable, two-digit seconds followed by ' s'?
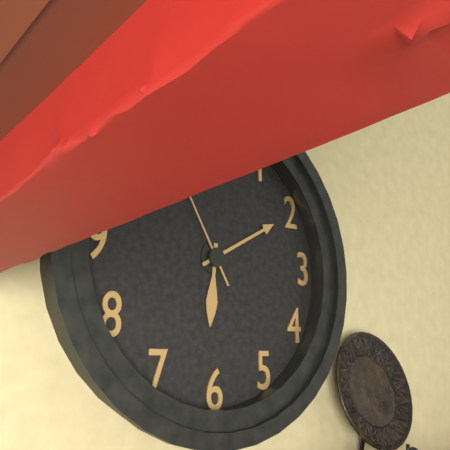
6 h 10 min
